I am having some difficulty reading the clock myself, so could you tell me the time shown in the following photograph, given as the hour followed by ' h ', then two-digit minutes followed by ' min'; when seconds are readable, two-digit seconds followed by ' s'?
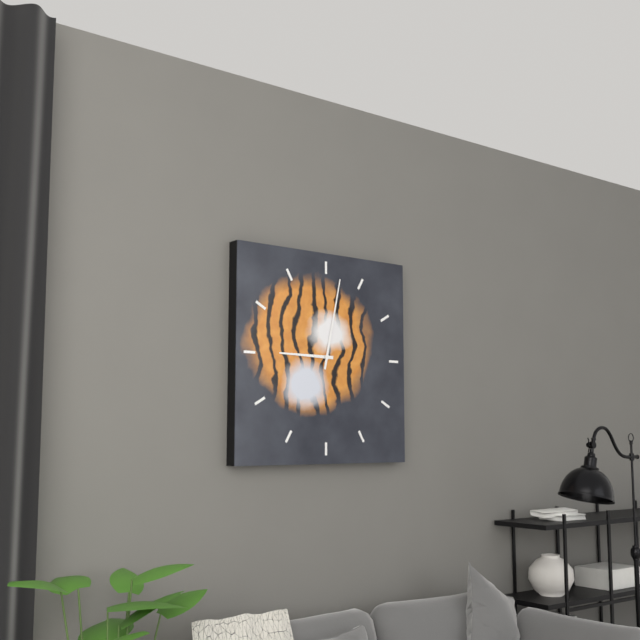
9 h 02 min
